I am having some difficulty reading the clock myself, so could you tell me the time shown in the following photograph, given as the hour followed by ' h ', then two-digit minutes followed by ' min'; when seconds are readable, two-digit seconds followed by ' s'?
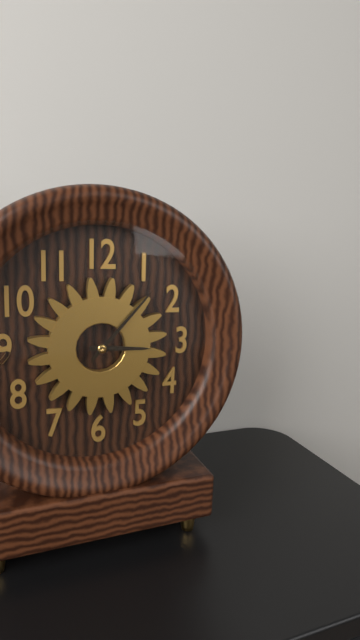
3 h 07 min
